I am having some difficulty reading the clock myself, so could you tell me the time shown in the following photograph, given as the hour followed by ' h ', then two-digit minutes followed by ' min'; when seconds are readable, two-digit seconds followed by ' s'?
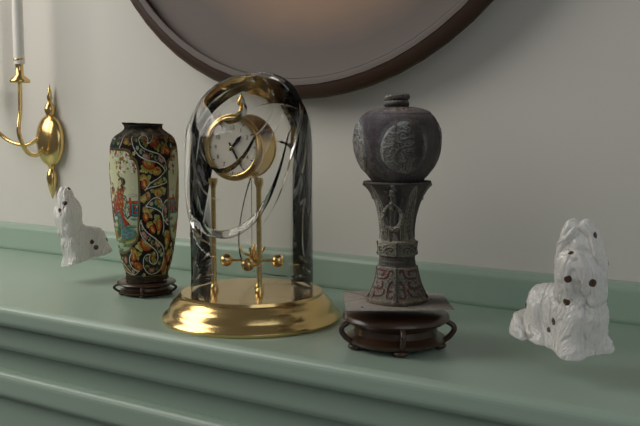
1 h 25 min
